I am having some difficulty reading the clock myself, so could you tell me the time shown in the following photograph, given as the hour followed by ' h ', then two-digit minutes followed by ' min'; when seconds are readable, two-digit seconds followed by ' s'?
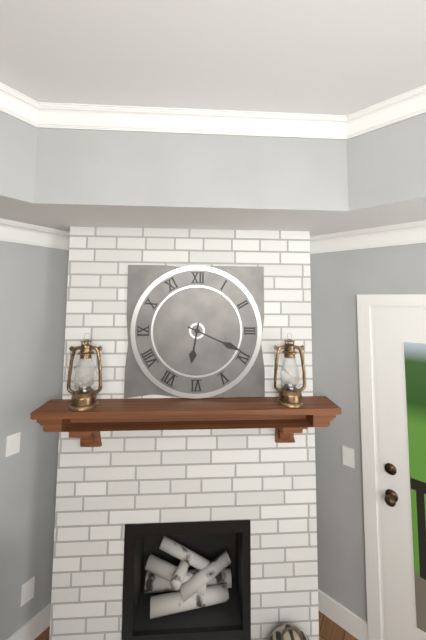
6 h 19 min
